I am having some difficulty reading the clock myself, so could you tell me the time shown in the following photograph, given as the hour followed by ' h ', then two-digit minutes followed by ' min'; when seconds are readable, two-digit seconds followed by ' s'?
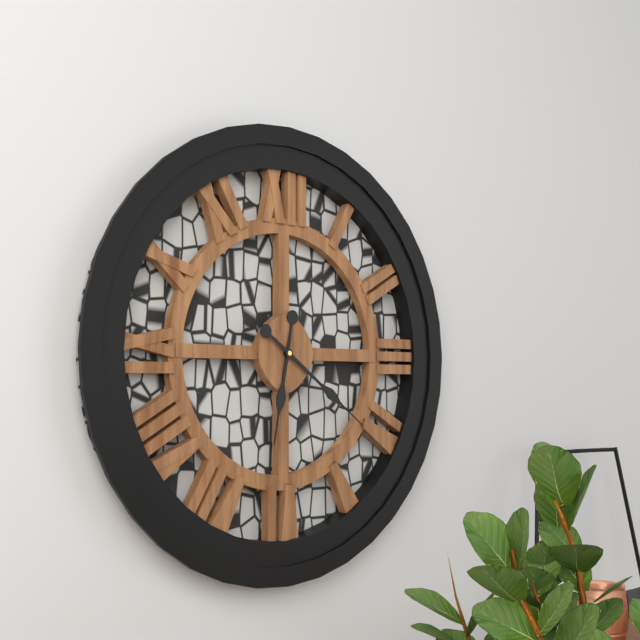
6 h 21 min
